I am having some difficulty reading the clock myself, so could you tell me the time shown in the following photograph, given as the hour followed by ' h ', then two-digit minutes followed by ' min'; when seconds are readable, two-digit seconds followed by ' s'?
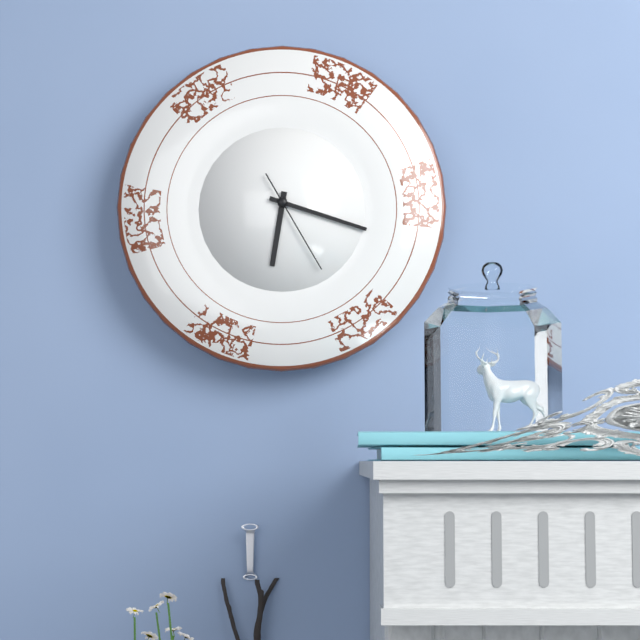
6 h 18 min 25 s
